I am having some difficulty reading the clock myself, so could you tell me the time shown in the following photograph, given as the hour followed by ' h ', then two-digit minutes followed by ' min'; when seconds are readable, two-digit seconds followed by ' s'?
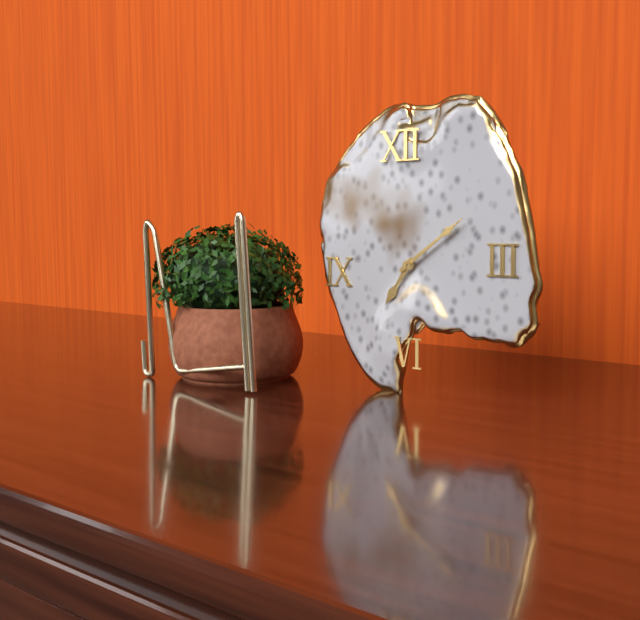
7 h 09 min
